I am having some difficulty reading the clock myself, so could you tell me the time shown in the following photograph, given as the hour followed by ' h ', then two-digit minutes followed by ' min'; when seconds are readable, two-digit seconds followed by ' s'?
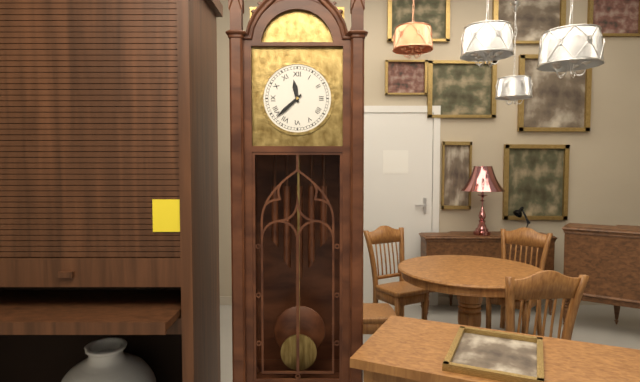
11 h 38 min
